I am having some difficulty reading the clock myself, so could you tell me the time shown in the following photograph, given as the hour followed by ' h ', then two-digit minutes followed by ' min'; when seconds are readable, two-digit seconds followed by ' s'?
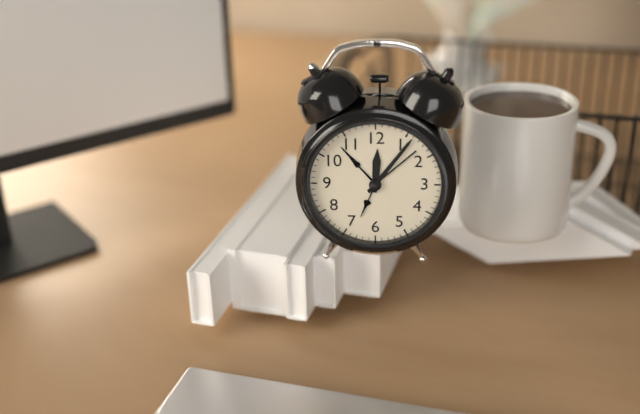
12 h 06 min
